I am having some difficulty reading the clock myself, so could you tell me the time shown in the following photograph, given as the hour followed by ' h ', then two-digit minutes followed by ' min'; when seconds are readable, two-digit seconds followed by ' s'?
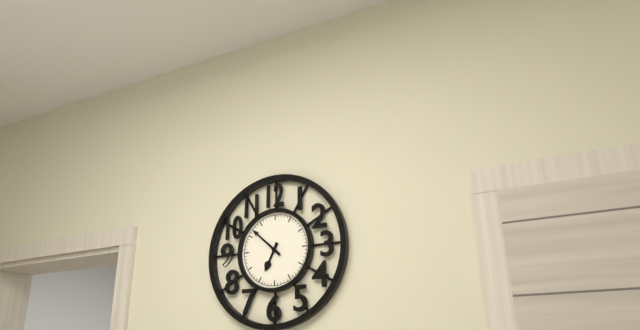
6 h 52 min
